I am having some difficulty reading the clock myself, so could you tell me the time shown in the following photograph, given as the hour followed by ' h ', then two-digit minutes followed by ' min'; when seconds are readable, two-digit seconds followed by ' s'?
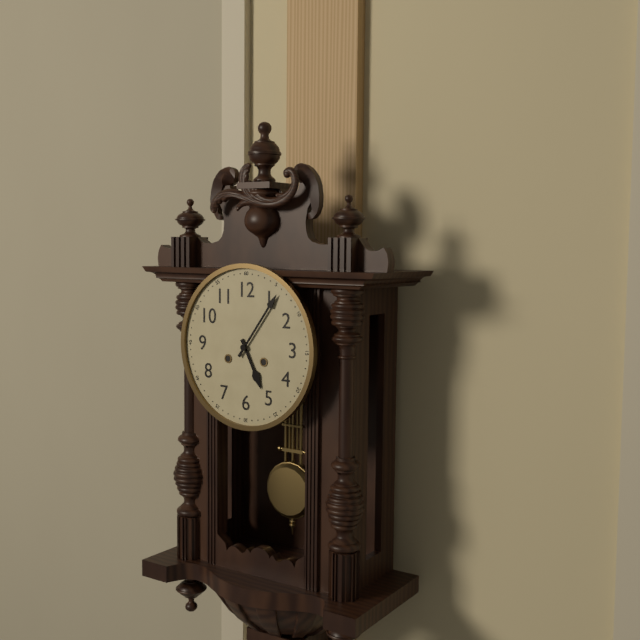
5 h 06 min
